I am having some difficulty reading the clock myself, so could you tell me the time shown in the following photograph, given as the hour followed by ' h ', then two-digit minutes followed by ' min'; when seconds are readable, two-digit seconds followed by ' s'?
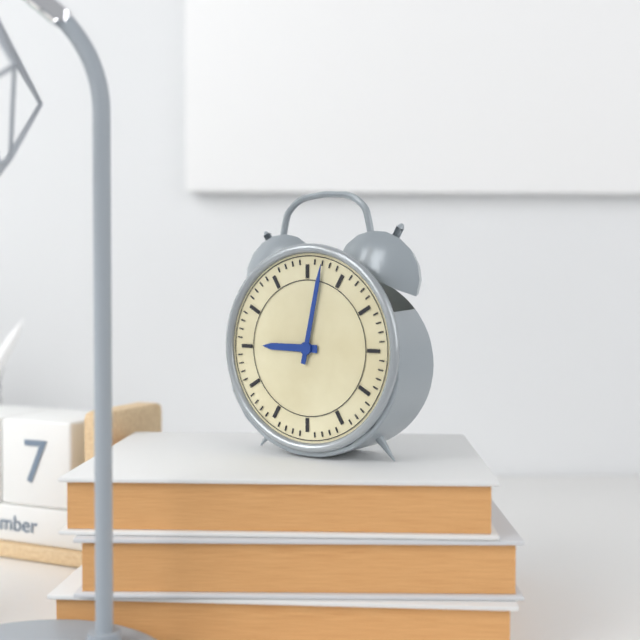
9 h 02 min
